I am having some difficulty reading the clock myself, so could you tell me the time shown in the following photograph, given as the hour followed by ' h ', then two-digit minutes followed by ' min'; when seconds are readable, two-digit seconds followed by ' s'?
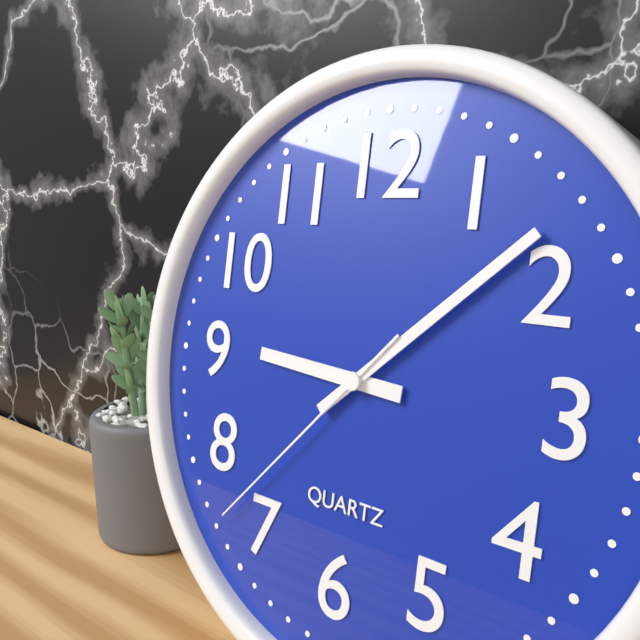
9 h 08 min 37 s
